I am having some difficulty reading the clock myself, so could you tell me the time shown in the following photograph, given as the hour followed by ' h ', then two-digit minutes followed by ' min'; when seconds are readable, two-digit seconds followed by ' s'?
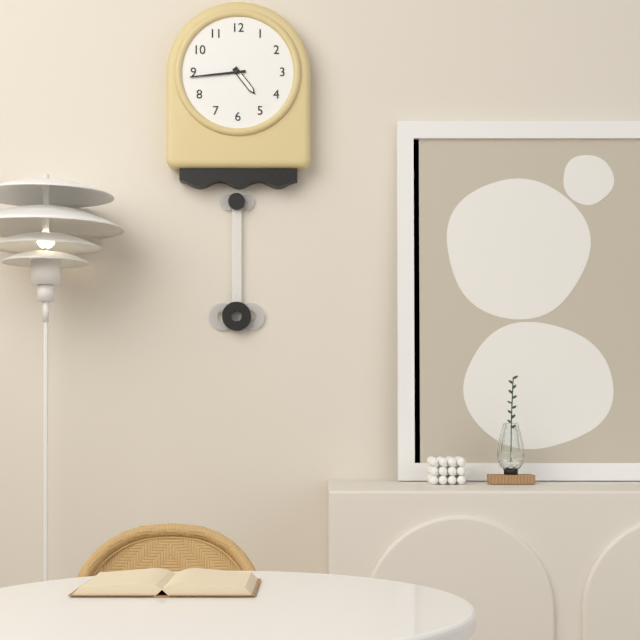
4 h 44 min
